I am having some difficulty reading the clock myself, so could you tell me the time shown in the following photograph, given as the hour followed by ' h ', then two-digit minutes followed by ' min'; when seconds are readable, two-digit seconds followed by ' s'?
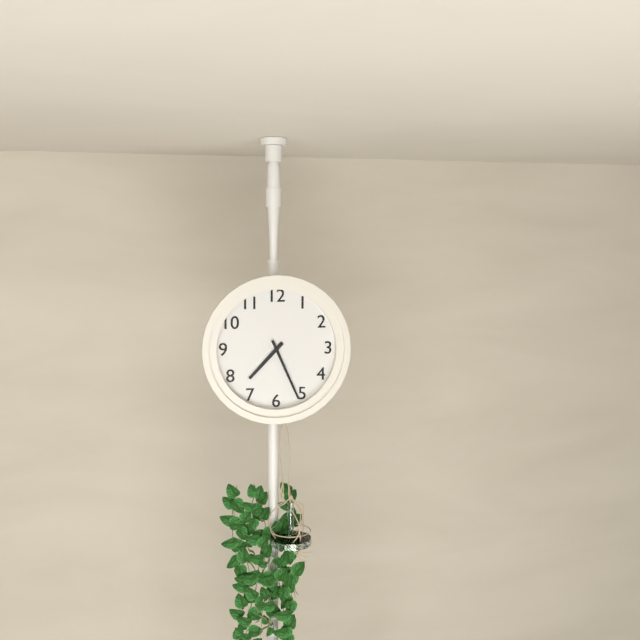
7 h 26 min
